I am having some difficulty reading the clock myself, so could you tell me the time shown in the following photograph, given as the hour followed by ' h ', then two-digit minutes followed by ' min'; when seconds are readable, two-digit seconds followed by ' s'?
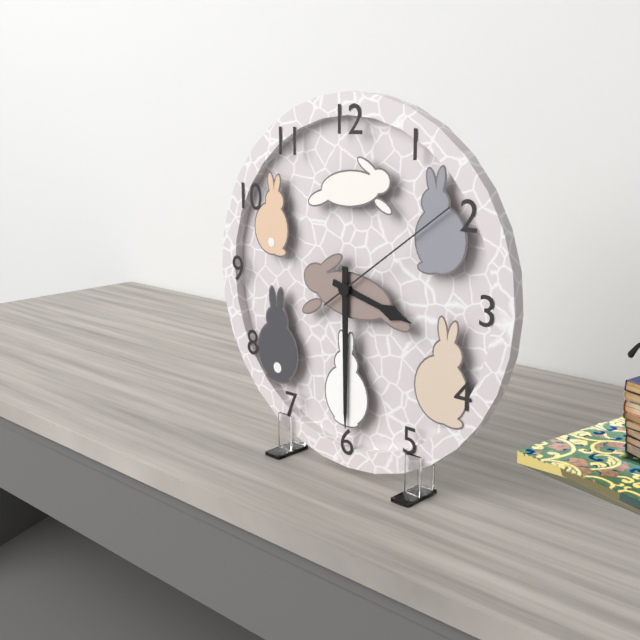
3 h 30 min 09 s
